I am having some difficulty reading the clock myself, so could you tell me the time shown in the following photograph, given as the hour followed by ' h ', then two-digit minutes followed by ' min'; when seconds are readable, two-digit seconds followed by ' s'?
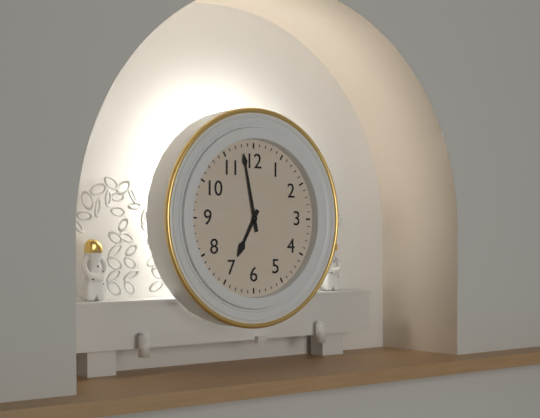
6 h 58 min
